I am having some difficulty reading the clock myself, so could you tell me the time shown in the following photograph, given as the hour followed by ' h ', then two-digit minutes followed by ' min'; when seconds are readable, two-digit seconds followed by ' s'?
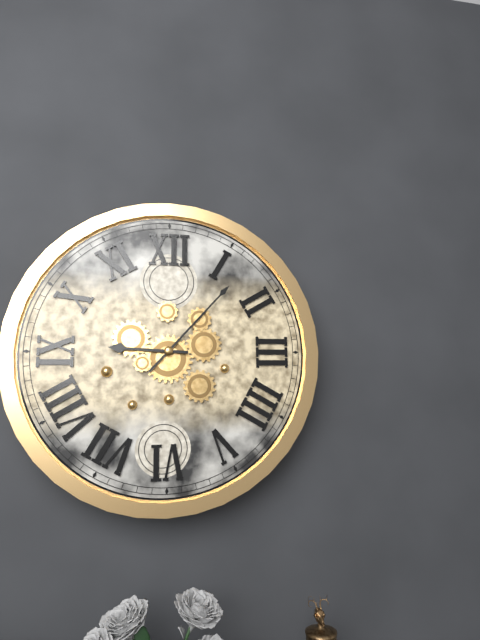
9 h 07 min
